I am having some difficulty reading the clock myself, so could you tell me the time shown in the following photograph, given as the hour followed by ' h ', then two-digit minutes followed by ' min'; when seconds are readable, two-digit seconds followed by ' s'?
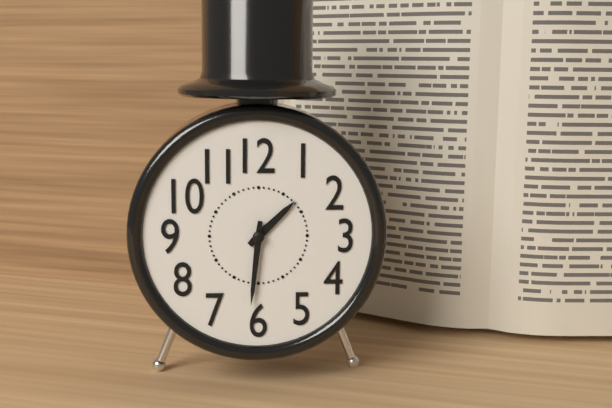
1 h 31 min
